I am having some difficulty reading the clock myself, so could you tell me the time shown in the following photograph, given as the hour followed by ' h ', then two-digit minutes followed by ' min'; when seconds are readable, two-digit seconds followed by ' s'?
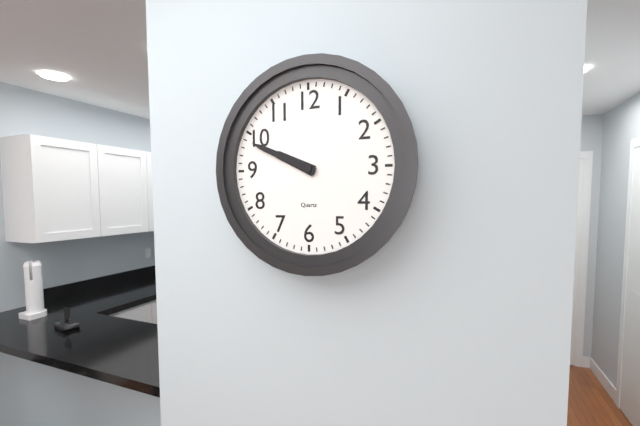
9 h 49 min
